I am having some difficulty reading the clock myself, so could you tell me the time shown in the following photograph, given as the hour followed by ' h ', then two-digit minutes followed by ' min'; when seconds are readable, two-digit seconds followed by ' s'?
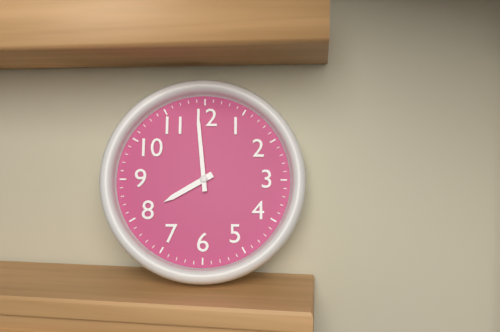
7 h 59 min
